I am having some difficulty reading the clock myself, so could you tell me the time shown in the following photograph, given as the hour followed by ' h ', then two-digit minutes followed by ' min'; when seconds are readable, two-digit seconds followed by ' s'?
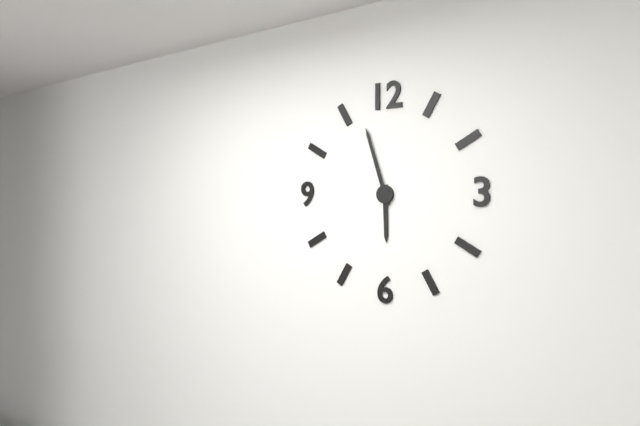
5 h 57 min
